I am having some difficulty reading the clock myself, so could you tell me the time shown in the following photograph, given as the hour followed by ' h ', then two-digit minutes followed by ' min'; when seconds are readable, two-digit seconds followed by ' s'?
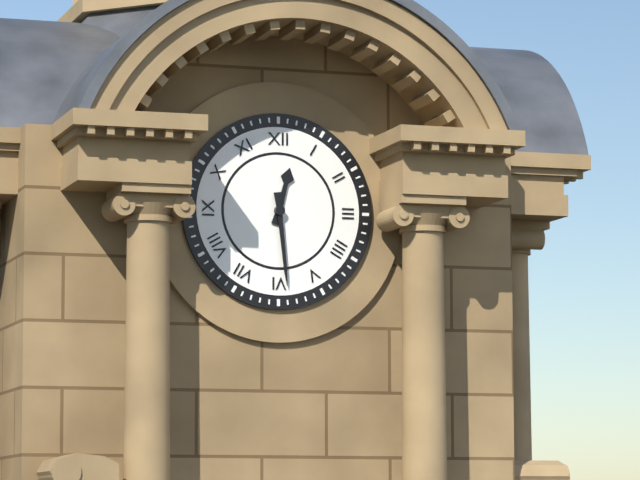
12 h 29 min
